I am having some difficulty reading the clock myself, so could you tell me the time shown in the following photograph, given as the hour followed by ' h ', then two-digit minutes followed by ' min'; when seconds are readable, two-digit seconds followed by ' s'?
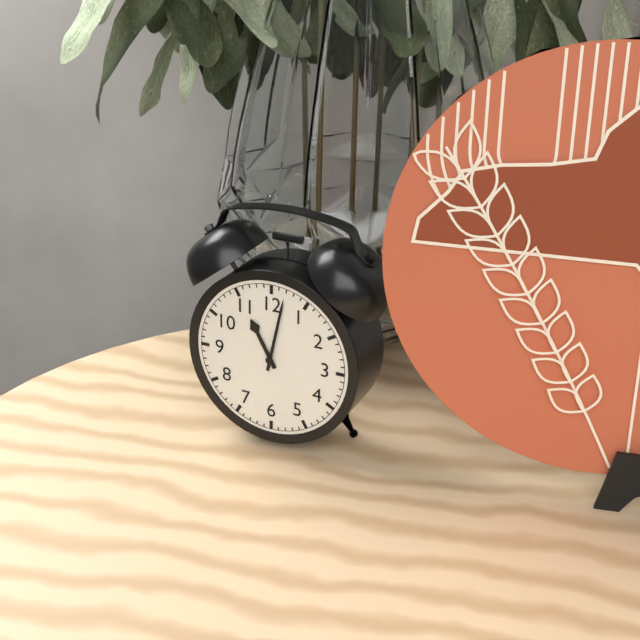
11 h 02 min
